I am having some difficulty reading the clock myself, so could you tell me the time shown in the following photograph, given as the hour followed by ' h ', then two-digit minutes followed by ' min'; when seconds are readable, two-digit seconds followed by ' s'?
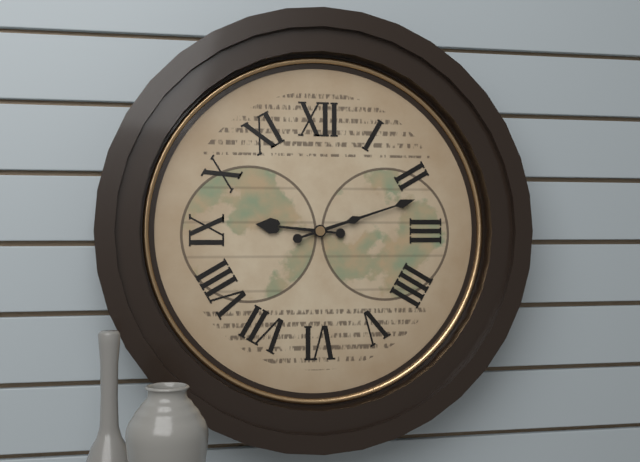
9 h 12 min
